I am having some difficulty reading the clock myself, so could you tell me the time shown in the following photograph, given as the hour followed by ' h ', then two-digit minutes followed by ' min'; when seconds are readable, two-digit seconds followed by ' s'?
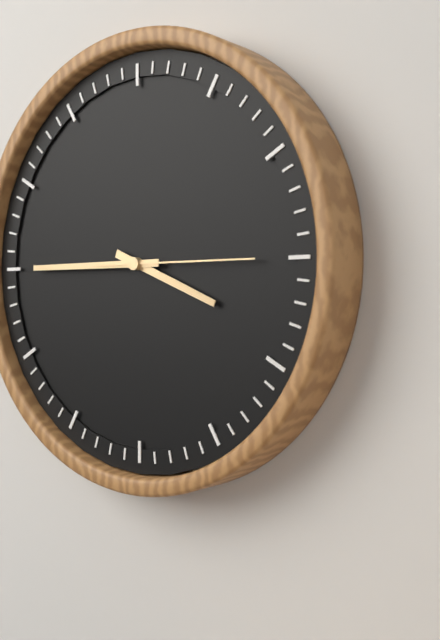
3 h 45 min 15 s
